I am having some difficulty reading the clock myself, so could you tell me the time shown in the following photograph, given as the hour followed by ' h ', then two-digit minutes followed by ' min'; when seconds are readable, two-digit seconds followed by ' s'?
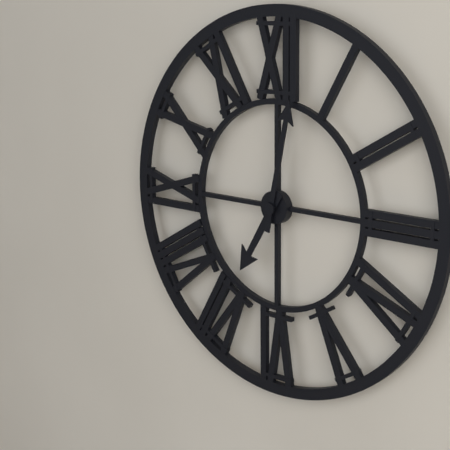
7 h 02 min
